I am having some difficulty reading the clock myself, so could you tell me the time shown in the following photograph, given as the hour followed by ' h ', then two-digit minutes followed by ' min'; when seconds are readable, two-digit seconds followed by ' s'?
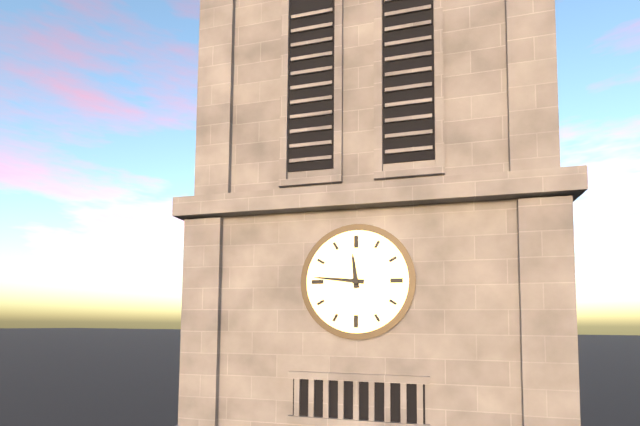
11 h 46 min
